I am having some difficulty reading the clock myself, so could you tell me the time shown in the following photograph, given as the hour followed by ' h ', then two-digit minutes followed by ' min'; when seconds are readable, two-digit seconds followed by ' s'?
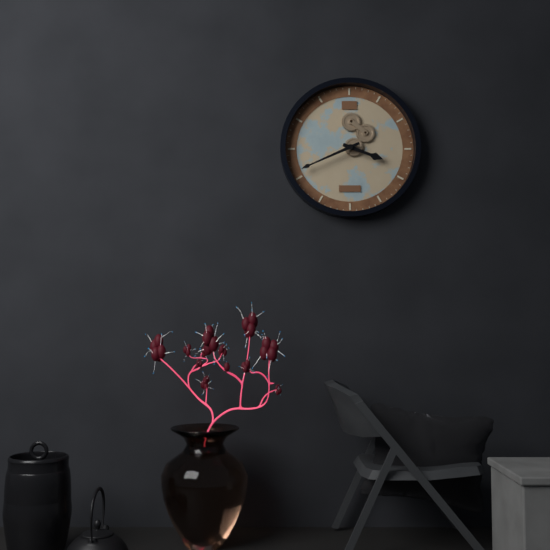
3 h 41 min
